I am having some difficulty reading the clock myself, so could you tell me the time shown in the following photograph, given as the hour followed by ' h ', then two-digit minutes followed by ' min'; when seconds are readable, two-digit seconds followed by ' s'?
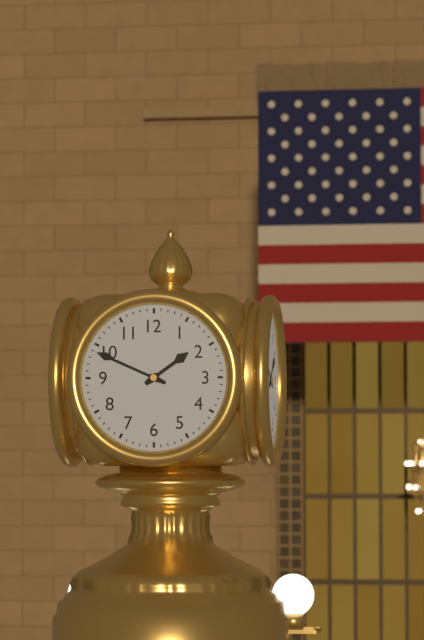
1 h 49 min
